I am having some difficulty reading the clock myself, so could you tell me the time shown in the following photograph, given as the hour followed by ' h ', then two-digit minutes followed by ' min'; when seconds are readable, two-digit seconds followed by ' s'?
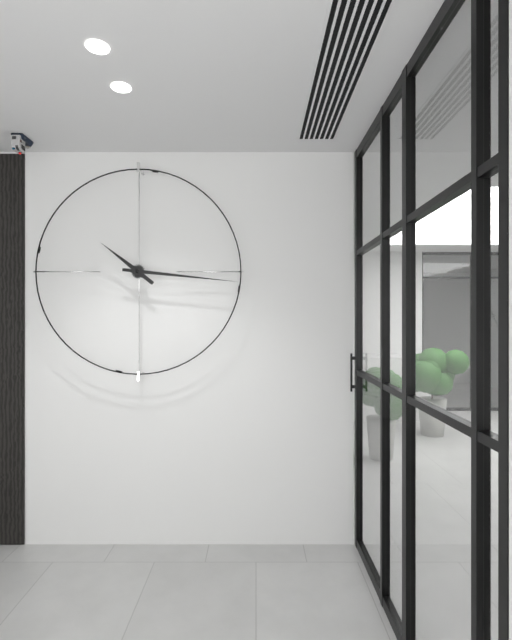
10 h 16 min
